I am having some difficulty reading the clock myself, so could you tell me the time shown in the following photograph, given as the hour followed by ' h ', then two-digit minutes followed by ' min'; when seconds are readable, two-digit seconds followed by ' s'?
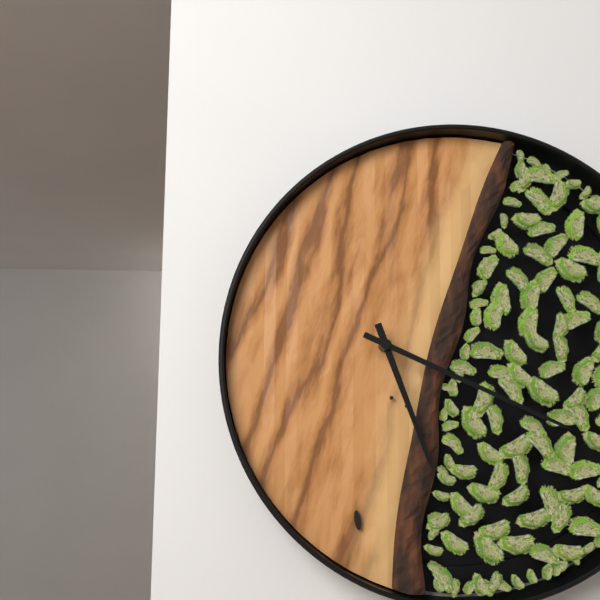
5 h 19 min
